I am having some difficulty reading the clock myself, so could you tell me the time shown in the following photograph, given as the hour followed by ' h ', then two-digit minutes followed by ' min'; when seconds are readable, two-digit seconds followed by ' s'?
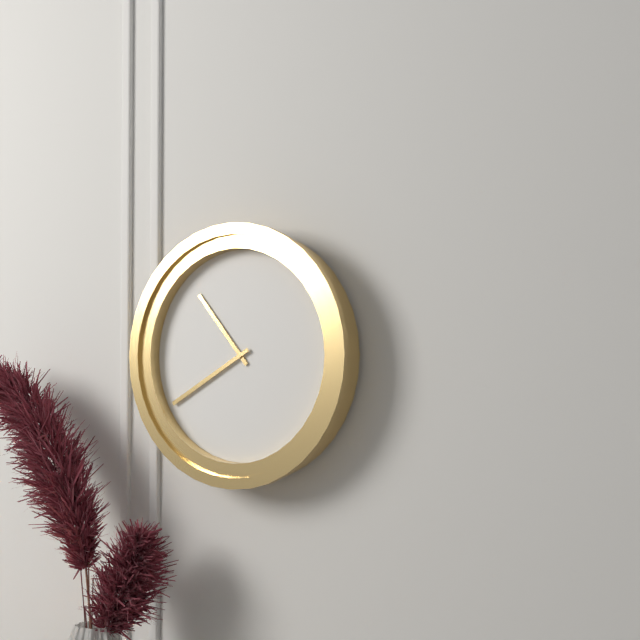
10 h 40 min
